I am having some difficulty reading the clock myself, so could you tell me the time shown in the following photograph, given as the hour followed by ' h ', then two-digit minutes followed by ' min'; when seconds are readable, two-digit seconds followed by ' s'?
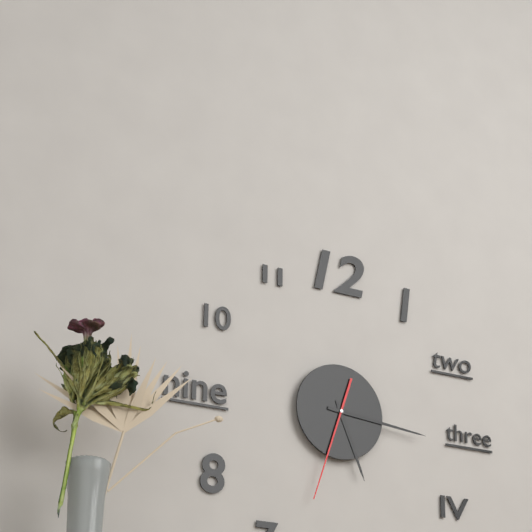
5 h 16 min 33 s
